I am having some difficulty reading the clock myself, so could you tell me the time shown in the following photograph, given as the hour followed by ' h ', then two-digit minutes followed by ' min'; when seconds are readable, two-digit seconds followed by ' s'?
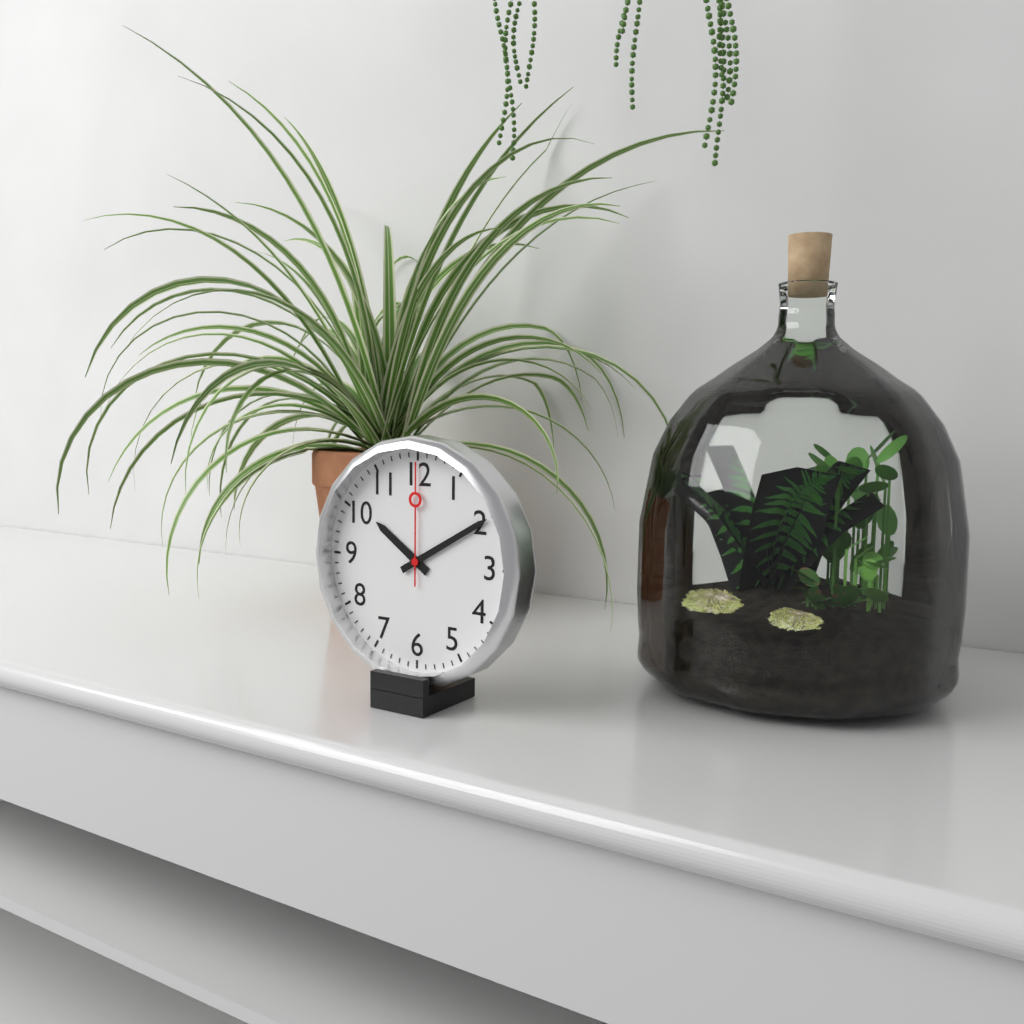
10 h 10 min 00 s
